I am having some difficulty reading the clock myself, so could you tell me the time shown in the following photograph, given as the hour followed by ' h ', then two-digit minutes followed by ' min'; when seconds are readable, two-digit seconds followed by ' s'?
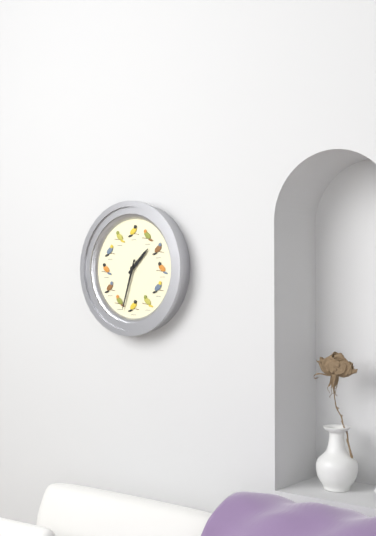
1 h 33 min
